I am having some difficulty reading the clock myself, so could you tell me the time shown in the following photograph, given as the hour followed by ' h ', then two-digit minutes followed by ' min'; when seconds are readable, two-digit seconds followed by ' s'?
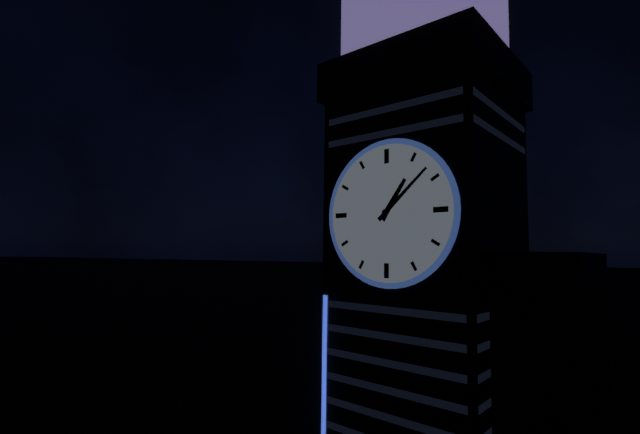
1 h 08 min
